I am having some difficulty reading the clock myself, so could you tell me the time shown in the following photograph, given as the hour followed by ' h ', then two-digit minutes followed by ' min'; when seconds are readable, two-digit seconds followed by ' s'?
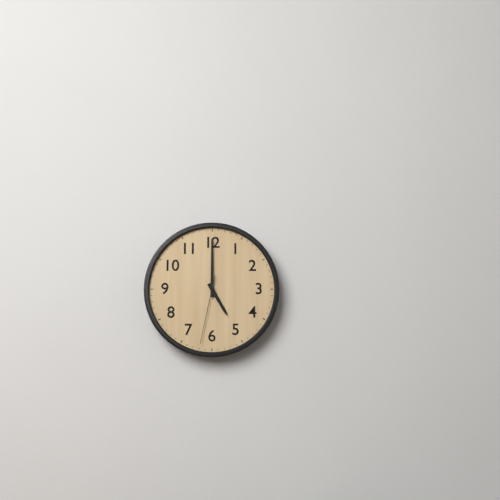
5 h 00 min 32 s
